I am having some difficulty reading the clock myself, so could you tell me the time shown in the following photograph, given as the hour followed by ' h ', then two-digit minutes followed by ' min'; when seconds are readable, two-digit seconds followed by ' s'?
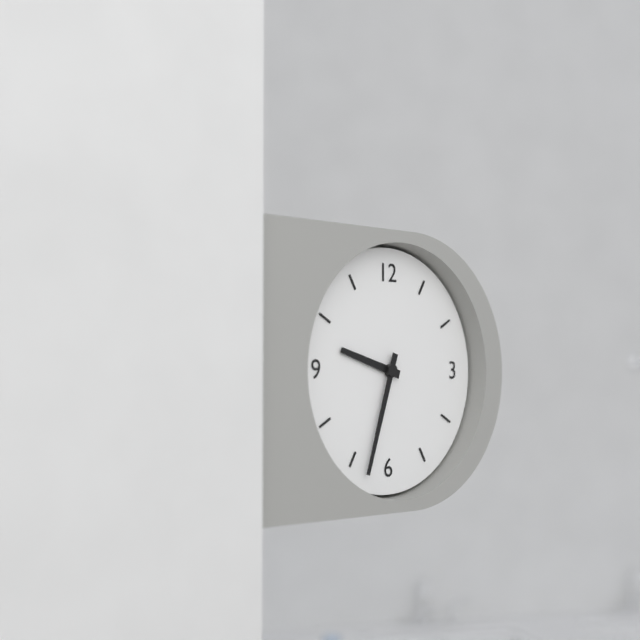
9 h 33 min
